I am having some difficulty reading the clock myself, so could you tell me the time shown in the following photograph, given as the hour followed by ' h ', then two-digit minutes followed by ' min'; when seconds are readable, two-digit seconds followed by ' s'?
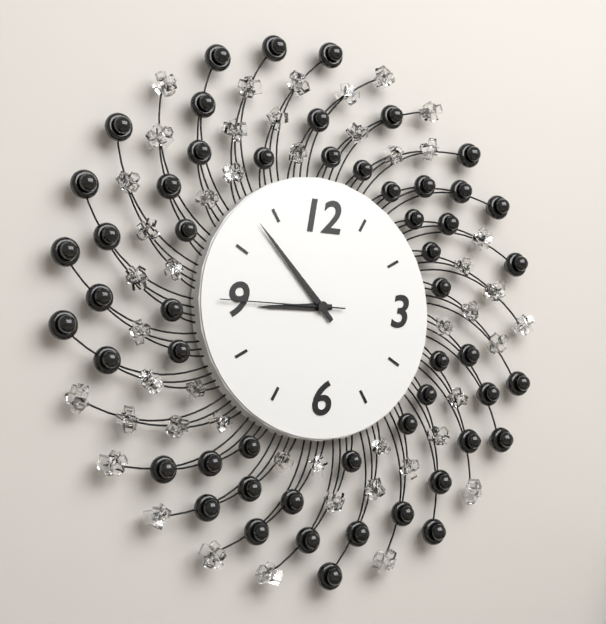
8 h 53 min 45 s
